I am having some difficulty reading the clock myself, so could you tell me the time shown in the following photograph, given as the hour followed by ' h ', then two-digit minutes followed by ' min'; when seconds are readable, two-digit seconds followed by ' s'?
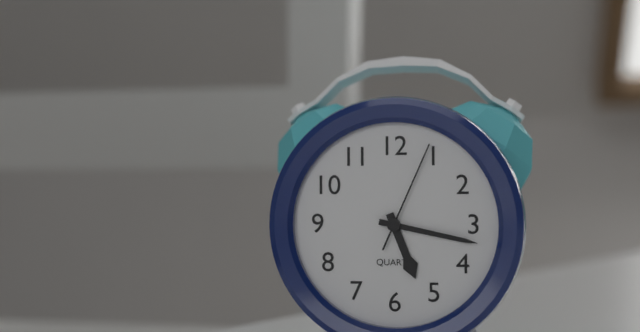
5 h 17 min 04 s
